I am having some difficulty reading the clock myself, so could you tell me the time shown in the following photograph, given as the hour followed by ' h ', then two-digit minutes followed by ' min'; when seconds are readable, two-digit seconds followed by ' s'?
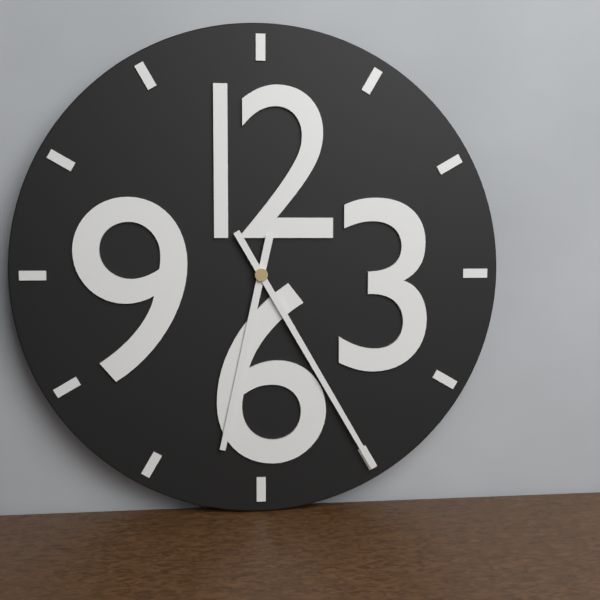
6 h 25 min
